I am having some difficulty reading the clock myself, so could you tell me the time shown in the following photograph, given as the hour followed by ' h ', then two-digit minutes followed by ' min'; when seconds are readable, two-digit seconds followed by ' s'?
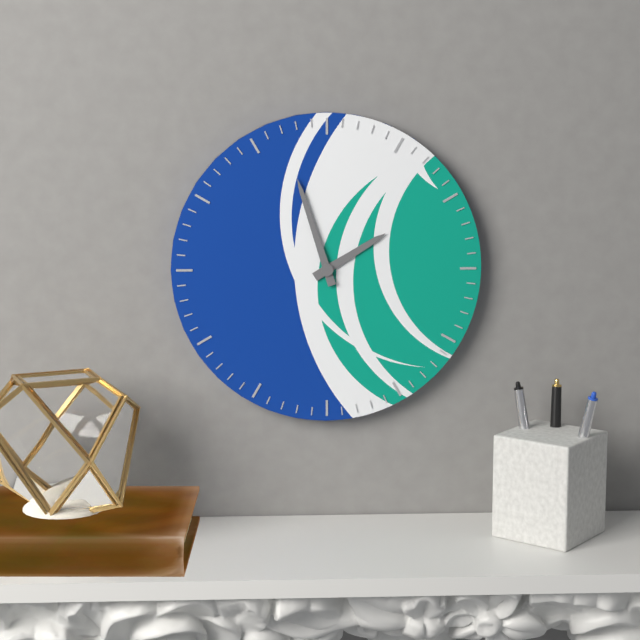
1 h 57 min
